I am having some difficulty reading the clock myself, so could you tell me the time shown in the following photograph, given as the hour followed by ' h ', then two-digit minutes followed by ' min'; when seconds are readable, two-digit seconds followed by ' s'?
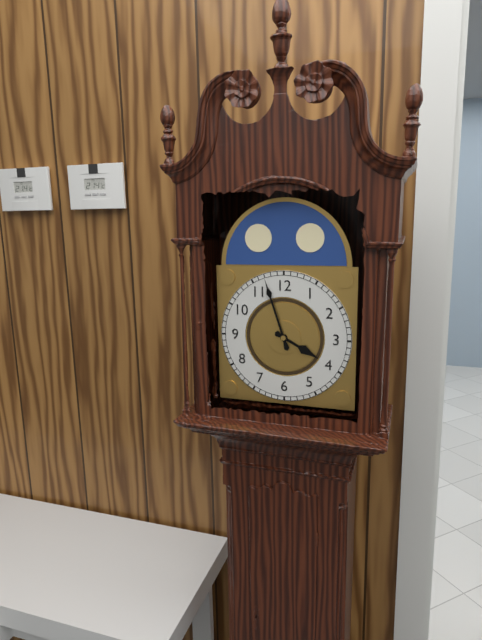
3 h 57 min
